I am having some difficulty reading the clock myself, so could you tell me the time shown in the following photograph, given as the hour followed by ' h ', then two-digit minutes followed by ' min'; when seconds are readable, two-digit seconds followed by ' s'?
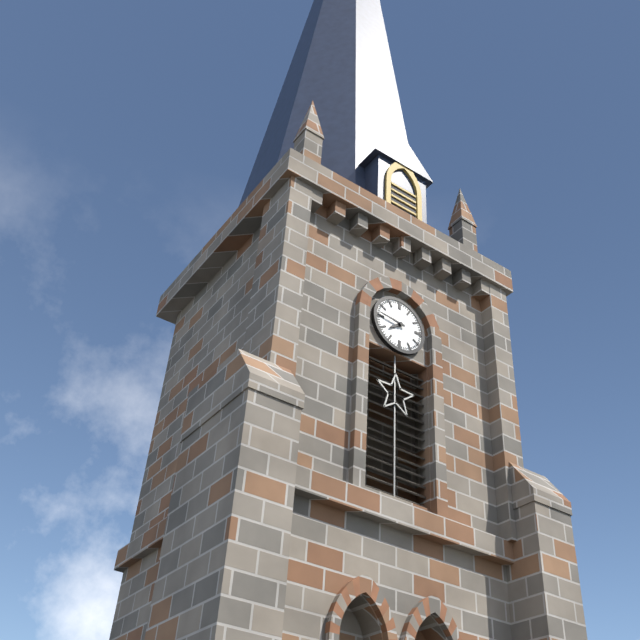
7 h 46 min
